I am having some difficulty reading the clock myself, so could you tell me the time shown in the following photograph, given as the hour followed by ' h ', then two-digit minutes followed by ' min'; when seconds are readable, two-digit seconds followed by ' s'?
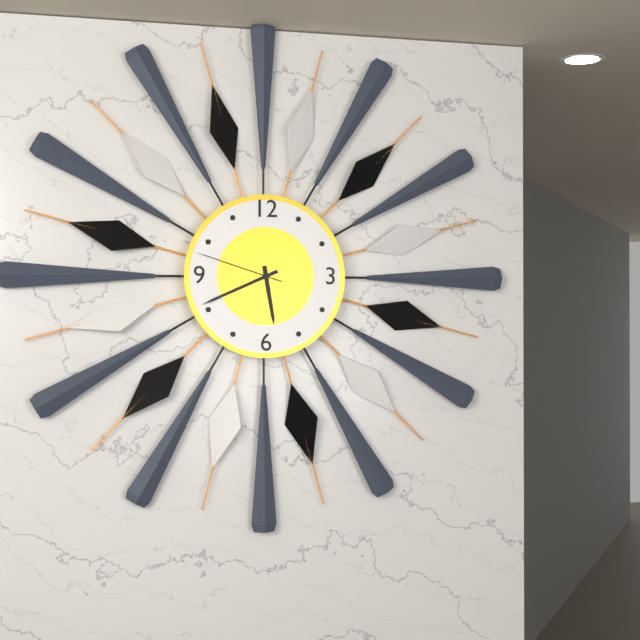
5 h 41 min 48 s
